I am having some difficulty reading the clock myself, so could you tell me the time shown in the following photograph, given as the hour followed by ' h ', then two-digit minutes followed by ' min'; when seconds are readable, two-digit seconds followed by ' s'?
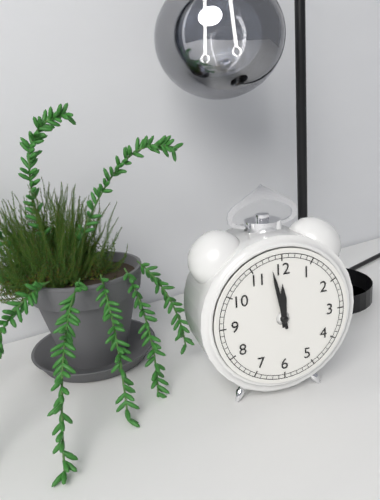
11 h 58 min
